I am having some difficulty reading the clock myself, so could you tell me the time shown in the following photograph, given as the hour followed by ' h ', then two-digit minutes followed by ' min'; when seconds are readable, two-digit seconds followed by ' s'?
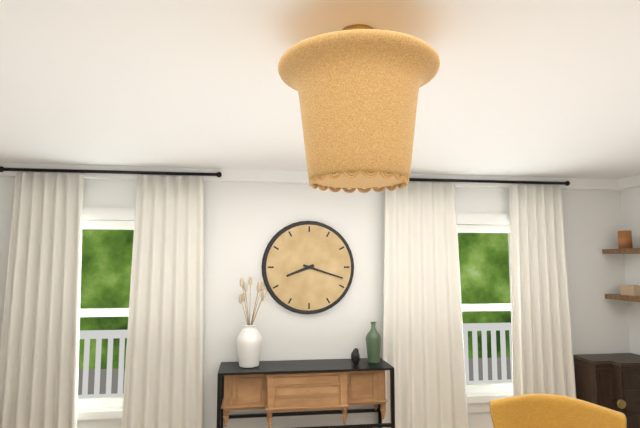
8 h 18 min
